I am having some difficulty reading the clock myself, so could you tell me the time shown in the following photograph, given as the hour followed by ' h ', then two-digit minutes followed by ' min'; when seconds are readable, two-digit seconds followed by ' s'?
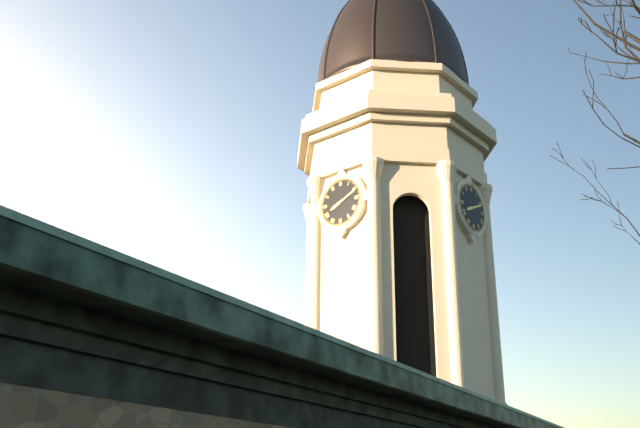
8 h 11 min
